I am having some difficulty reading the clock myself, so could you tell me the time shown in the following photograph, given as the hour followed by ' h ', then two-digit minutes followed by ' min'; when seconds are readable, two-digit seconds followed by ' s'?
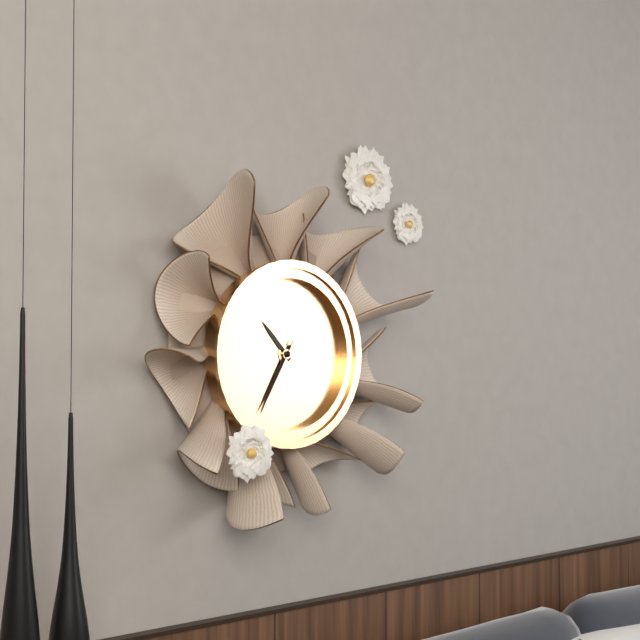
10 h 35 min 35 s
